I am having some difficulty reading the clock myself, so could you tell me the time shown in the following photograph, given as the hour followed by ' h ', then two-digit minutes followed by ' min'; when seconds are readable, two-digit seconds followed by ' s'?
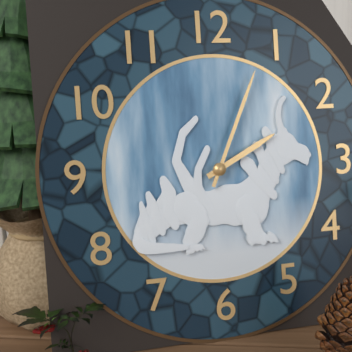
2 h 04 min
